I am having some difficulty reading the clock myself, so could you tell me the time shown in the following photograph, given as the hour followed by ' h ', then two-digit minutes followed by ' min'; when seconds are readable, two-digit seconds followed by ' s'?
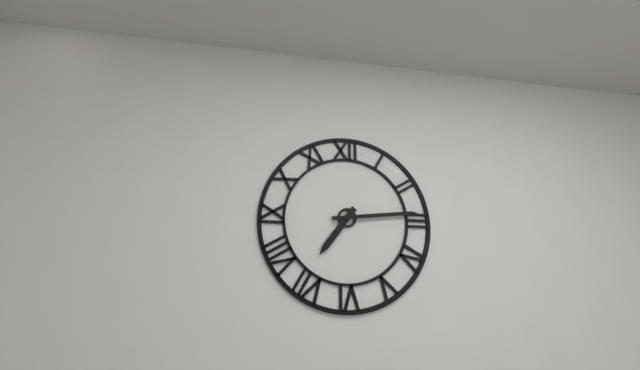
7 h 14 min
